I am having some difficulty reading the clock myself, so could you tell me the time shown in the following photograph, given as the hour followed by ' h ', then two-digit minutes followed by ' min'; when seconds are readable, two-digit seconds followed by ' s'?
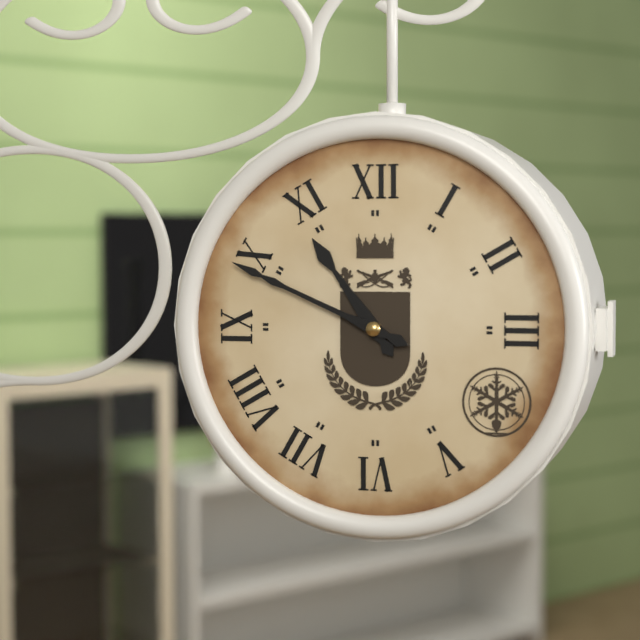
10 h 49 min
